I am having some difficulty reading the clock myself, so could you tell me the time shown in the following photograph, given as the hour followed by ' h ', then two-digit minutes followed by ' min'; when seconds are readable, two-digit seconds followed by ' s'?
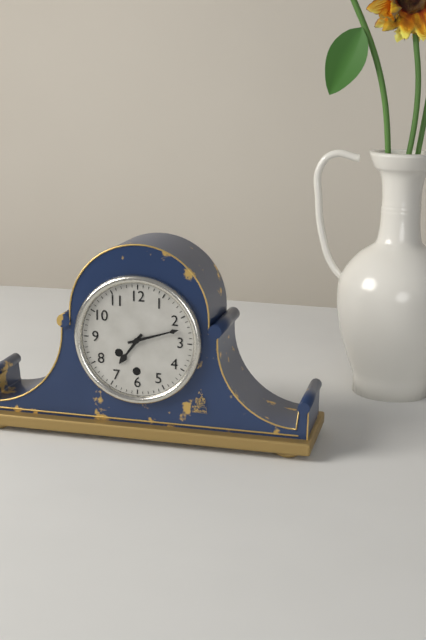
7 h 12 min
